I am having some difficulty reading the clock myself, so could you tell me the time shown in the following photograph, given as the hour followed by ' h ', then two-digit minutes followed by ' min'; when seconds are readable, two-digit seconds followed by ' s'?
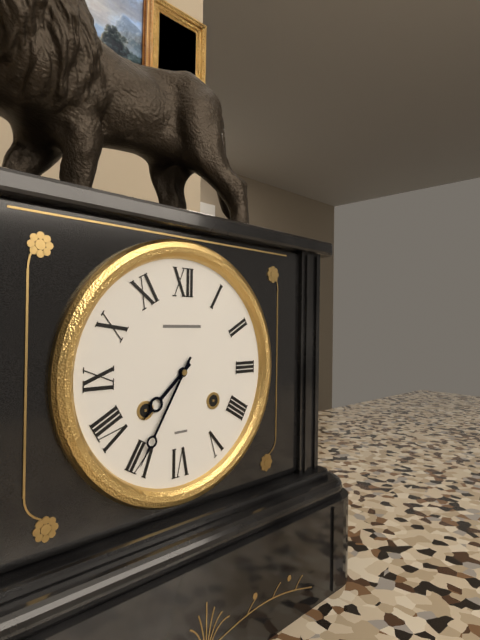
7 h 35 min
